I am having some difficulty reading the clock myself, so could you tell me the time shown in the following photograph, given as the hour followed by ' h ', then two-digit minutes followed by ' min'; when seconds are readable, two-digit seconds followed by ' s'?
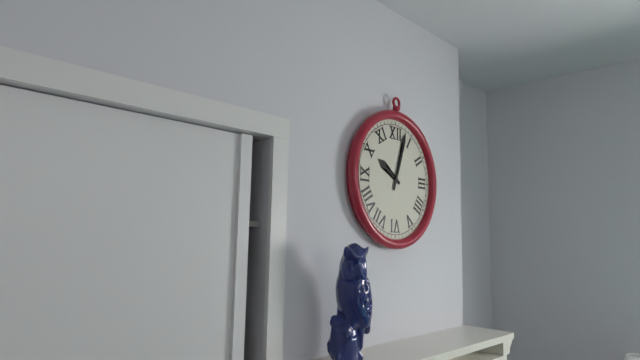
10 h 03 min
